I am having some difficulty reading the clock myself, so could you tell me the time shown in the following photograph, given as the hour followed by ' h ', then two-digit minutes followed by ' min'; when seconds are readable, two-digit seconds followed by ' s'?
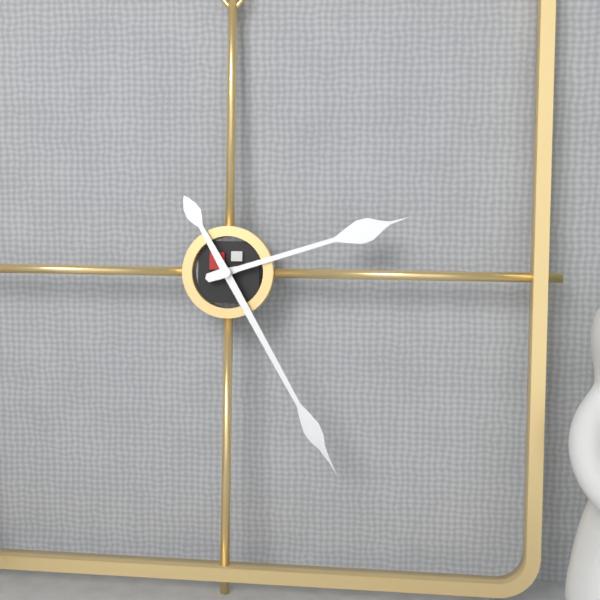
2 h 25 min
